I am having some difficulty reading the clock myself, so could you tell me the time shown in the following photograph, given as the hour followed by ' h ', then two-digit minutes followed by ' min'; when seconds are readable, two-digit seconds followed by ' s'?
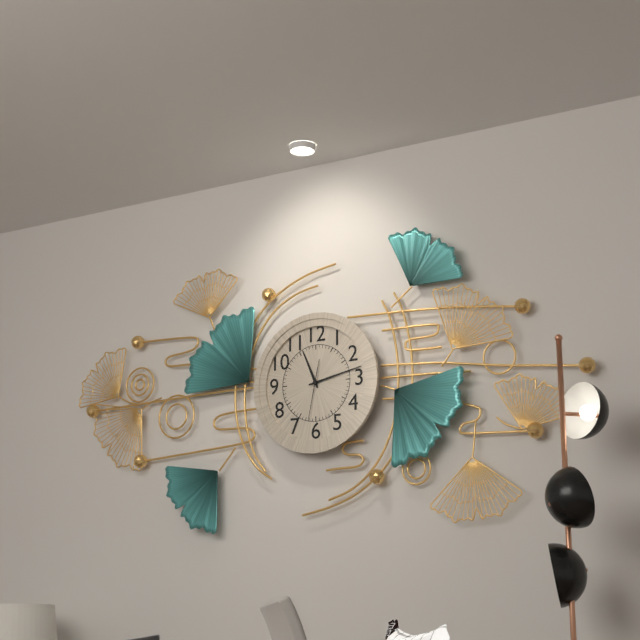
11 h 13 min
